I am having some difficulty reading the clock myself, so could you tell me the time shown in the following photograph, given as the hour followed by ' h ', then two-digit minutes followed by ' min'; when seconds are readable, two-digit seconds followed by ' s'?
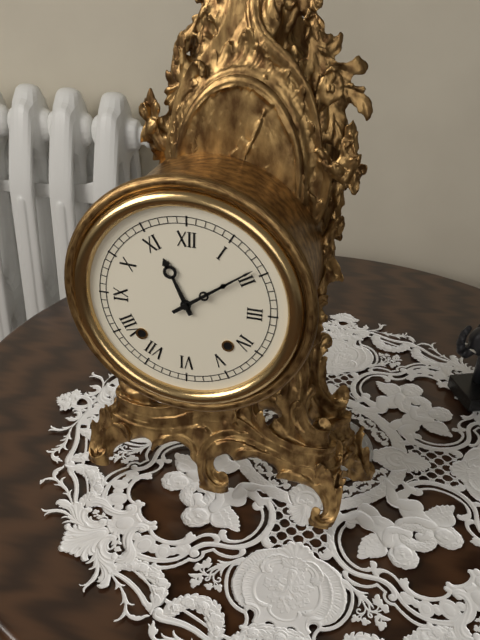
11 h 09 min
